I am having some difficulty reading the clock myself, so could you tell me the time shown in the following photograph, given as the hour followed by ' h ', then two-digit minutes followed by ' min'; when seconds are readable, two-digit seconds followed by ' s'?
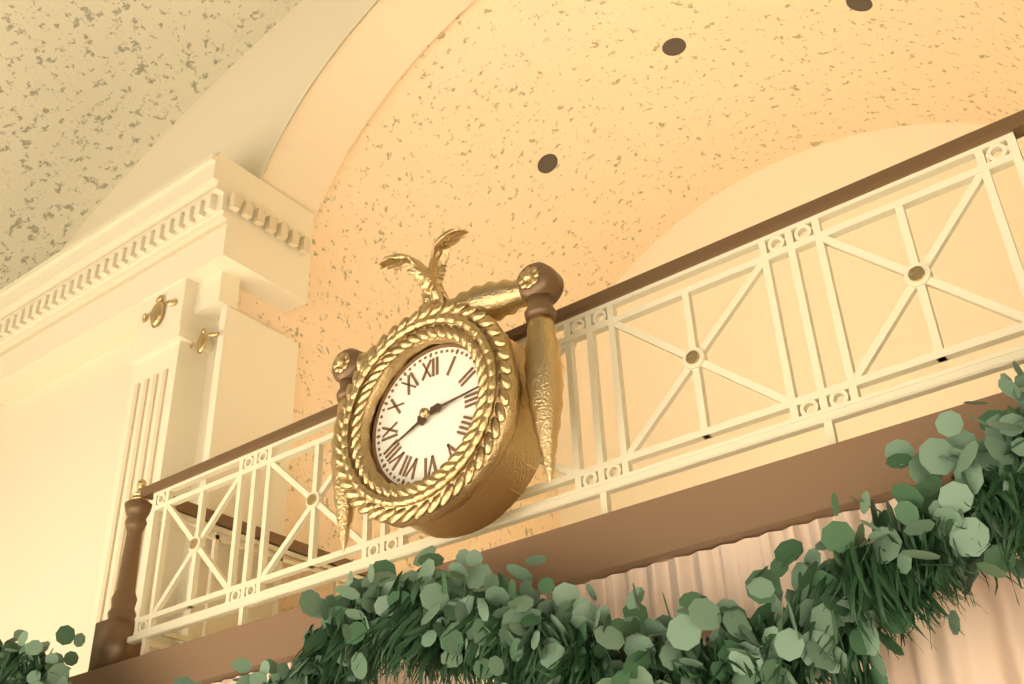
8 h 14 min
